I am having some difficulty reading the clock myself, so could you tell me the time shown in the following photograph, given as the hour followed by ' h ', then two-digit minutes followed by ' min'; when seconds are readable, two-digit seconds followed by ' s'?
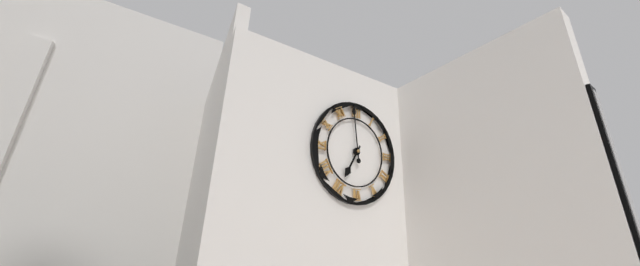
6 h 59 min
